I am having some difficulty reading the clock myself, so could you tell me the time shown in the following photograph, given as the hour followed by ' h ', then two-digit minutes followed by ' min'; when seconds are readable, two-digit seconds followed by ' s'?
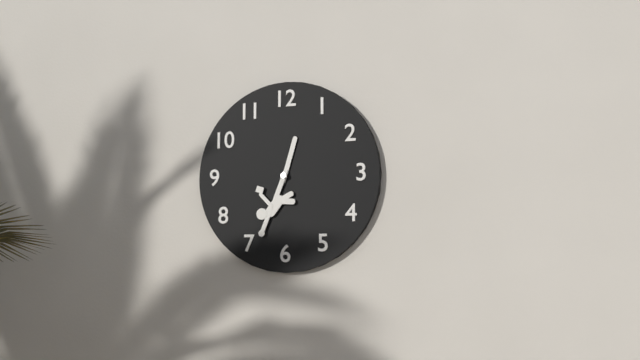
12 h 33 min
